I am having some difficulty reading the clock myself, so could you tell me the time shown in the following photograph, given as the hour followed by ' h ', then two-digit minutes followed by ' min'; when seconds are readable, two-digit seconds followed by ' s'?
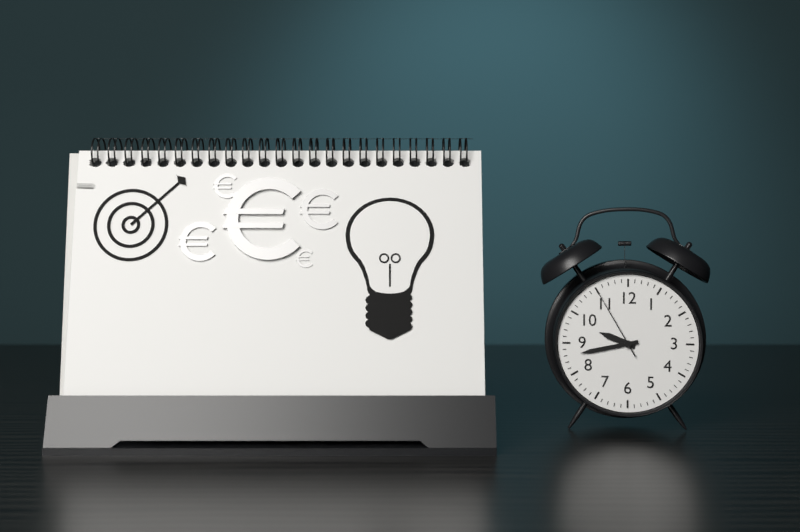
9 h 43 min 55 s
